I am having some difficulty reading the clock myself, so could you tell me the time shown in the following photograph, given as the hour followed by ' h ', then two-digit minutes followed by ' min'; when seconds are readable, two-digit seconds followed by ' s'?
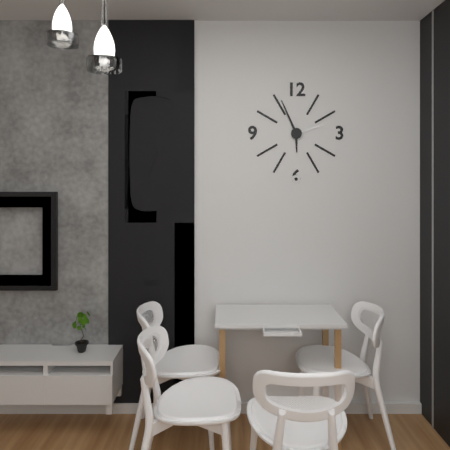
5 h 56 min
